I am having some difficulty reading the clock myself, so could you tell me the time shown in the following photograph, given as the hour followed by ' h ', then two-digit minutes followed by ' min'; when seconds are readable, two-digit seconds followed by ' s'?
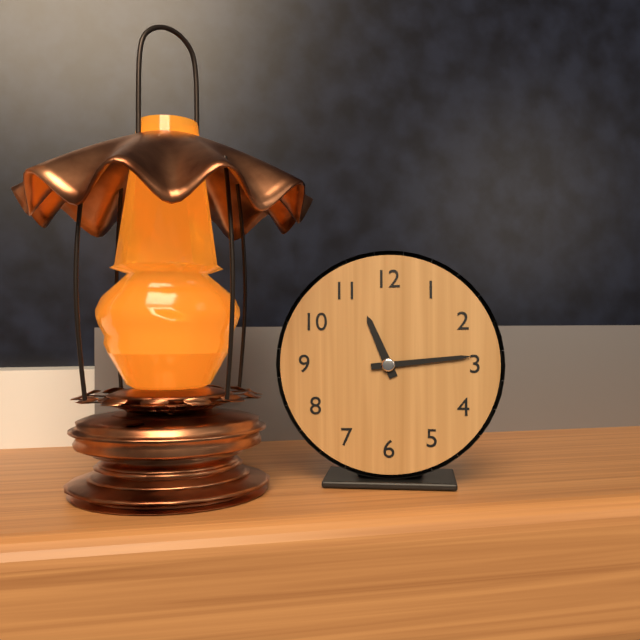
11 h 14 min
